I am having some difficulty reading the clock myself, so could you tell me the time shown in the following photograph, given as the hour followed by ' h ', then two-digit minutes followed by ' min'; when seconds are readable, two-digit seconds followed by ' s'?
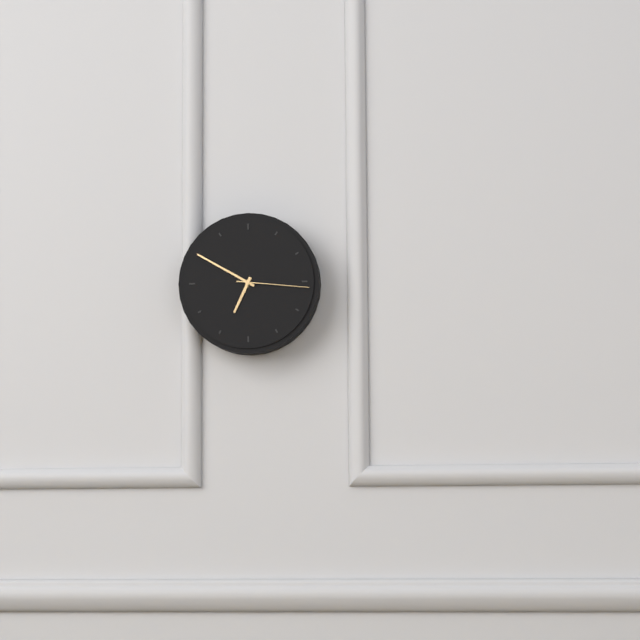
6 h 50 min 16 s
